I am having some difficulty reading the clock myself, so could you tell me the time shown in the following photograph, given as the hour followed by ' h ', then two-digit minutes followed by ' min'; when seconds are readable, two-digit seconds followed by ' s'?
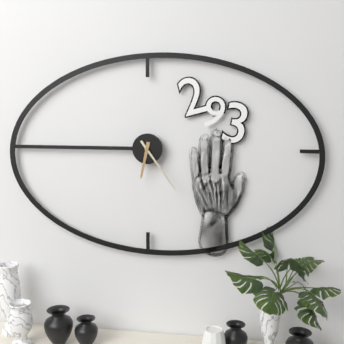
6 h 24 min
